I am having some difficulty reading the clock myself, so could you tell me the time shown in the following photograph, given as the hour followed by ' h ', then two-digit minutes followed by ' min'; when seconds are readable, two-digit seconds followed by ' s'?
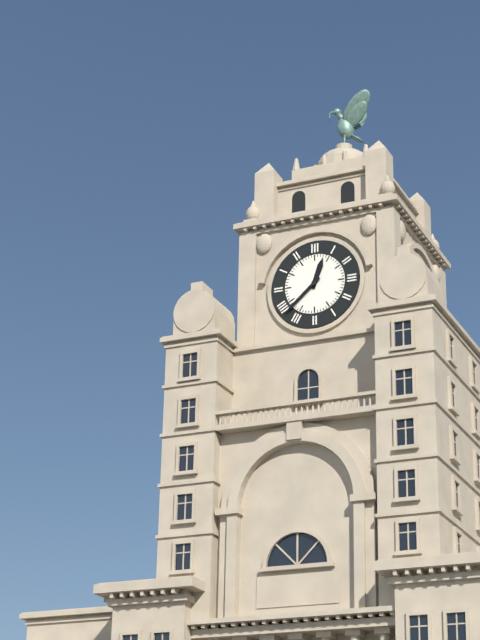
12 h 38 min
